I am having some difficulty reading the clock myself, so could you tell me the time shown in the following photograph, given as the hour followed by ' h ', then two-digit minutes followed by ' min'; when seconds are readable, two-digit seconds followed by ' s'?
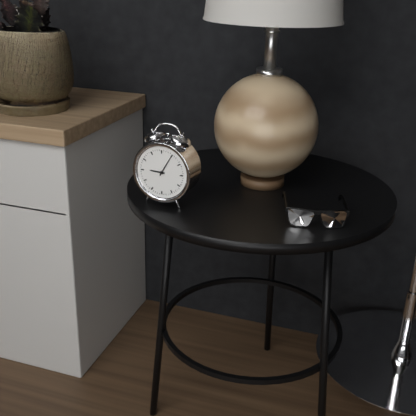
9 h 05 min
